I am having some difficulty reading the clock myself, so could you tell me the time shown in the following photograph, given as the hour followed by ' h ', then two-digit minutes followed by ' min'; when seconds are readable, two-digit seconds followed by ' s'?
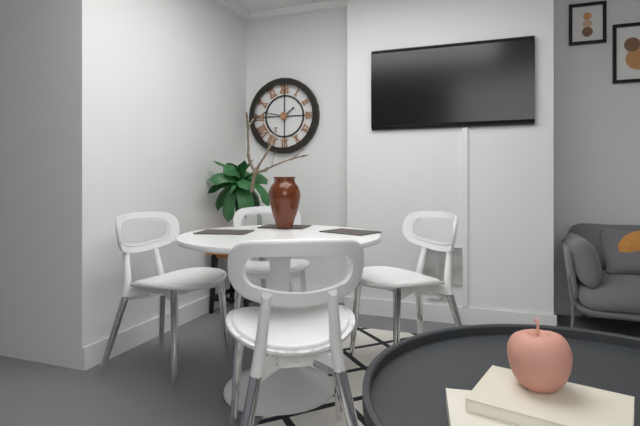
1 h 47 min
